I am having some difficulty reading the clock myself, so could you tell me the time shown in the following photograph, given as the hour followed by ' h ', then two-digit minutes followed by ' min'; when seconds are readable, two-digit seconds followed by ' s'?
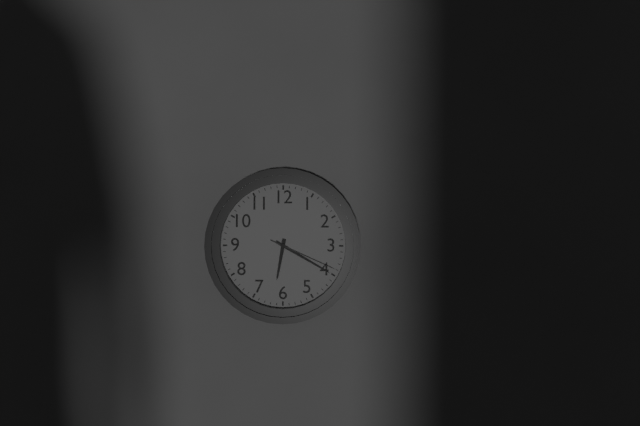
6 h 20 min 19 s
